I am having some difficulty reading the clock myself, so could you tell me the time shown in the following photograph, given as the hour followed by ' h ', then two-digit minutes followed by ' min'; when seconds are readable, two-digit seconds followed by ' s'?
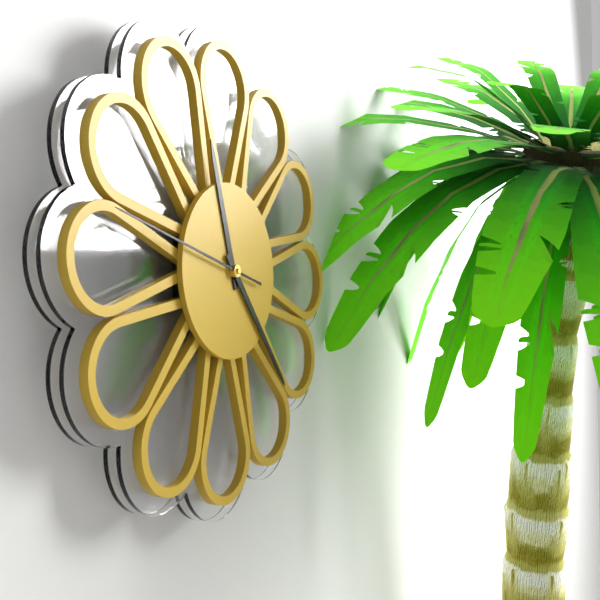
11 h 23 min 47 s
